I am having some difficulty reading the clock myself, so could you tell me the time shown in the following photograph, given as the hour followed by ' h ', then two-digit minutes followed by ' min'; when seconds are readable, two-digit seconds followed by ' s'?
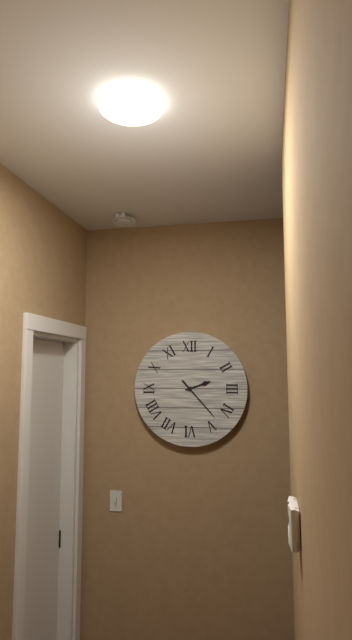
2 h 23 min
